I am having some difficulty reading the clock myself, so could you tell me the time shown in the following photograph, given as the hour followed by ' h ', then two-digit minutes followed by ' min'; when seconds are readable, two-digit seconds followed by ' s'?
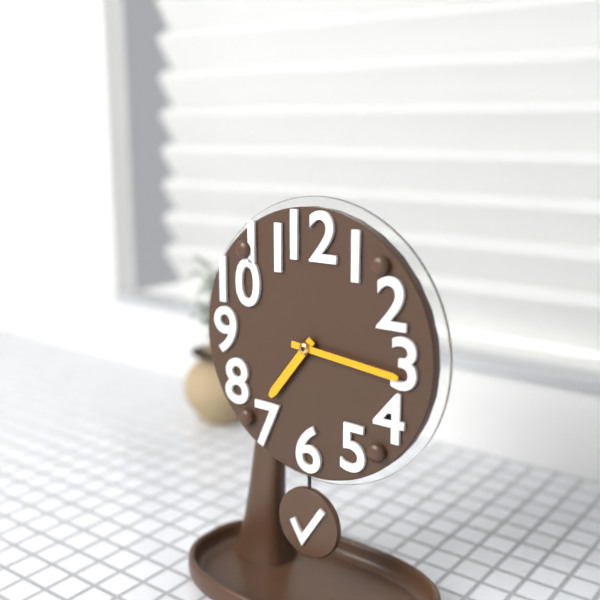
7 h 16 min
